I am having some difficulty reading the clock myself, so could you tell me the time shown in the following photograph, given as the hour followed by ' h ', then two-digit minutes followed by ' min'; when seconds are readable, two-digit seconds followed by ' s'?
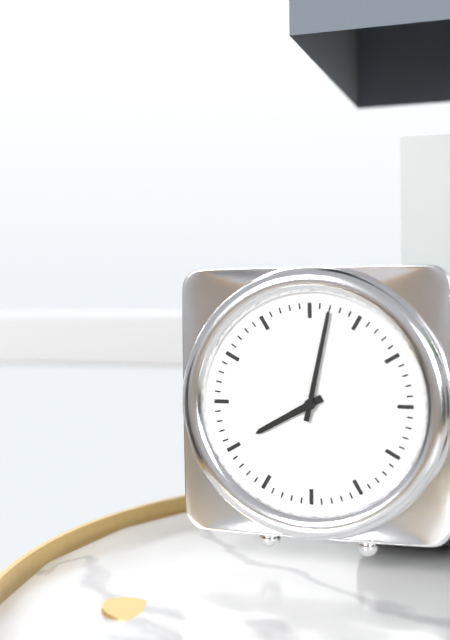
8 h 02 min
